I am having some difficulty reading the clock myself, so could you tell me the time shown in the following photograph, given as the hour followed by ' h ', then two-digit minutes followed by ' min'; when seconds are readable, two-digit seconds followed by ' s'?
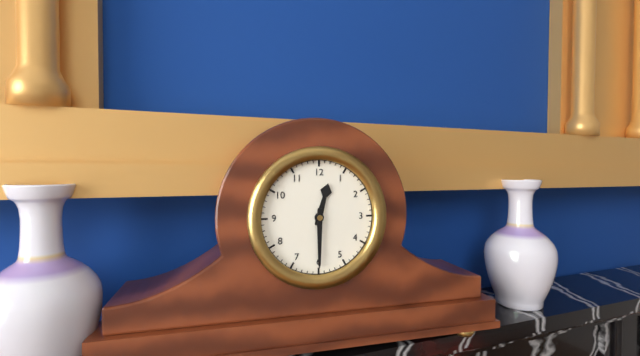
12 h 30 min
